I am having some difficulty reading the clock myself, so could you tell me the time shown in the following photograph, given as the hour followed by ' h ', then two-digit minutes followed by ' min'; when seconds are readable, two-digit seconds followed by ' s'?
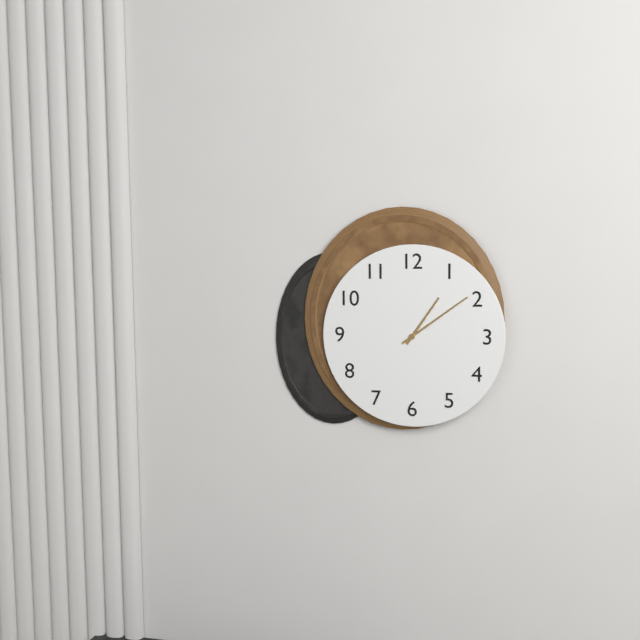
1 h 09 min
